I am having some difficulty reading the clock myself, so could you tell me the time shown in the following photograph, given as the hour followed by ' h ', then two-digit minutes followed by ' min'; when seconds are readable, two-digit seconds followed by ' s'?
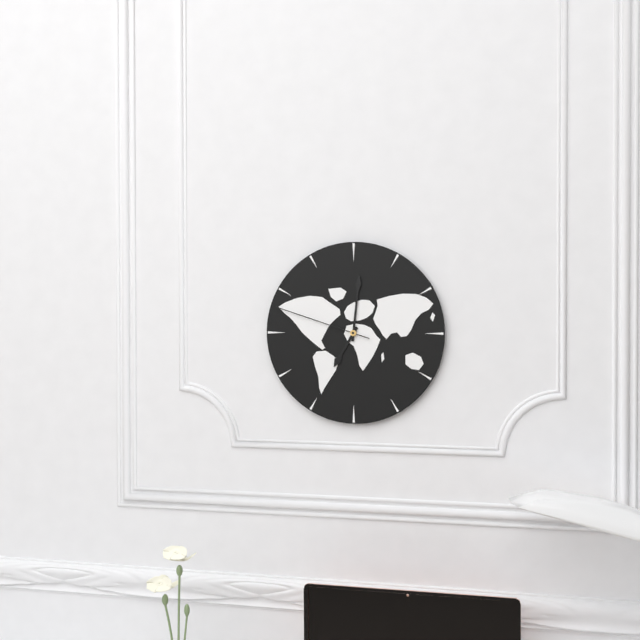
7 h 01 min 48 s
